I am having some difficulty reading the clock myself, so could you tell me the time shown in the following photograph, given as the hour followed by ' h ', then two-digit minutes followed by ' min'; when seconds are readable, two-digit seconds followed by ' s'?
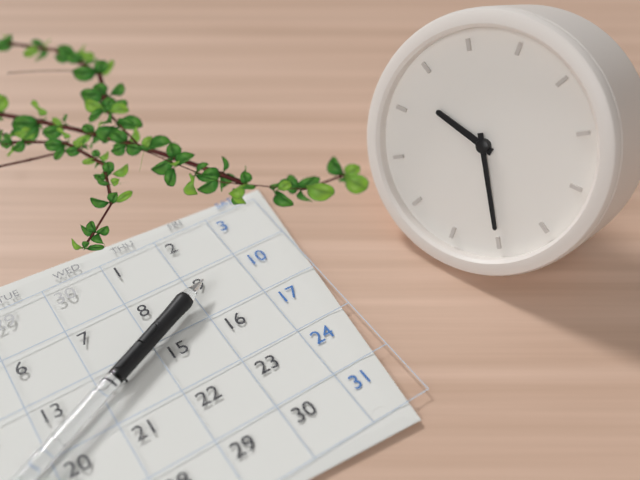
9 h 25 min
